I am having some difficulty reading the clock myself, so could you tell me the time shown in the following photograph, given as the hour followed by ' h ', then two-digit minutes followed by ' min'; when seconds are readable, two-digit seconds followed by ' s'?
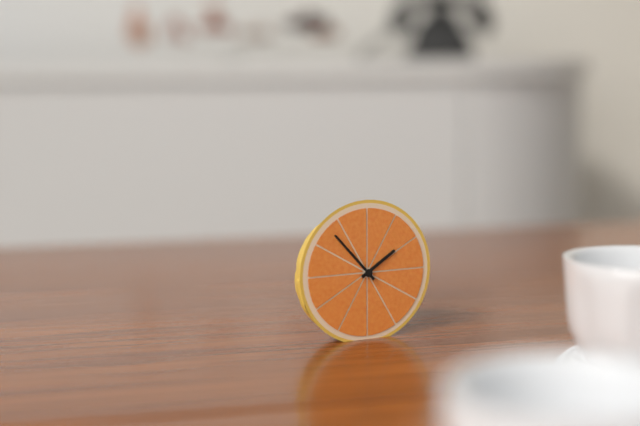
1 h 53 min
